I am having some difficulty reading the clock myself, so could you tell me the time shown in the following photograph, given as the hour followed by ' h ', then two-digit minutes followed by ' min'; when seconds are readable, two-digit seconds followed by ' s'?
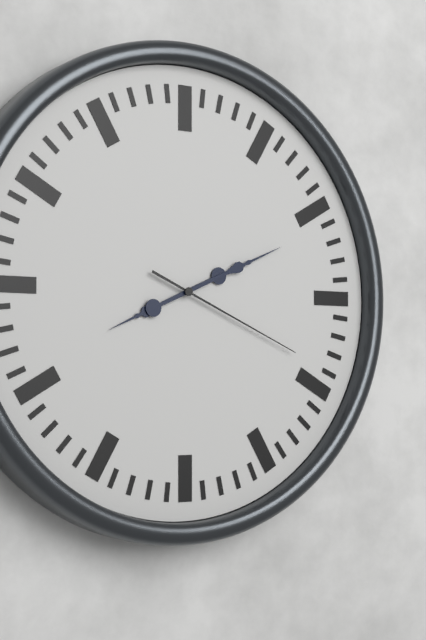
8 h 11 min 19 s
